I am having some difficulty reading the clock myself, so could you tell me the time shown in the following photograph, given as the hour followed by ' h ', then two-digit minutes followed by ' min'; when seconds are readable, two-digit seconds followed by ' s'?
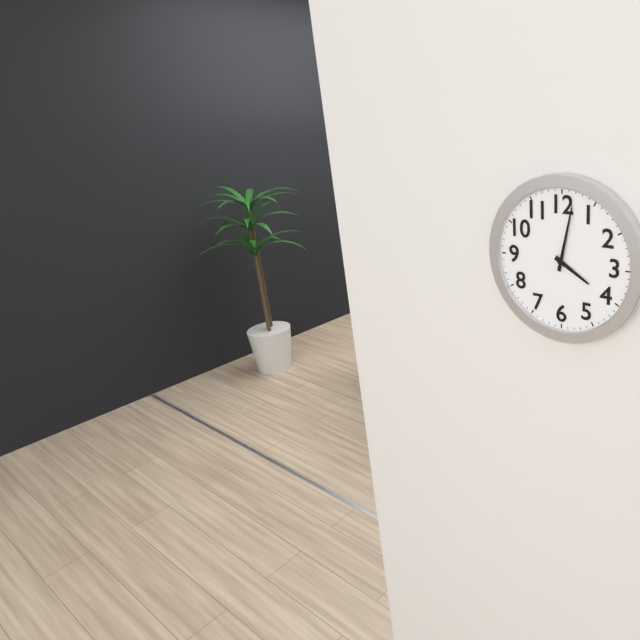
4 h 02 min
